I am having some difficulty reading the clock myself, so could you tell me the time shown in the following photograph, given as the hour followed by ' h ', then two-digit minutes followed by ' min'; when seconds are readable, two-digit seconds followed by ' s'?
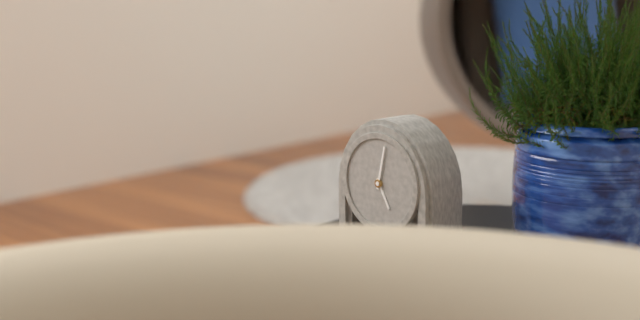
5 h 02 min
